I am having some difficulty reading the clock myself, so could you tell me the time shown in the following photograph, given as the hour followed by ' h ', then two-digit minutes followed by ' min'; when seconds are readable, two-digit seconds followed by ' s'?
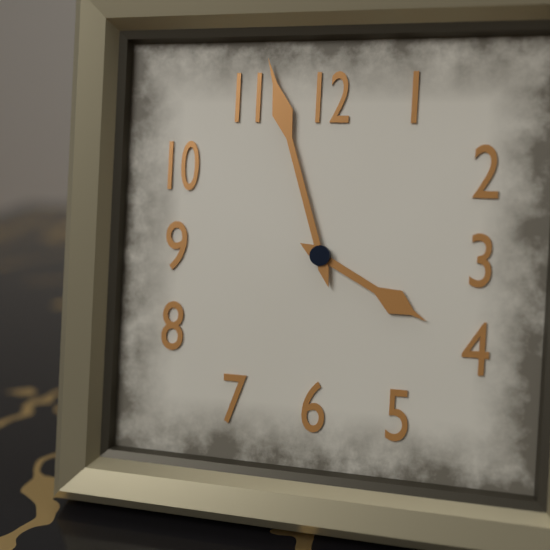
3 h 57 min
